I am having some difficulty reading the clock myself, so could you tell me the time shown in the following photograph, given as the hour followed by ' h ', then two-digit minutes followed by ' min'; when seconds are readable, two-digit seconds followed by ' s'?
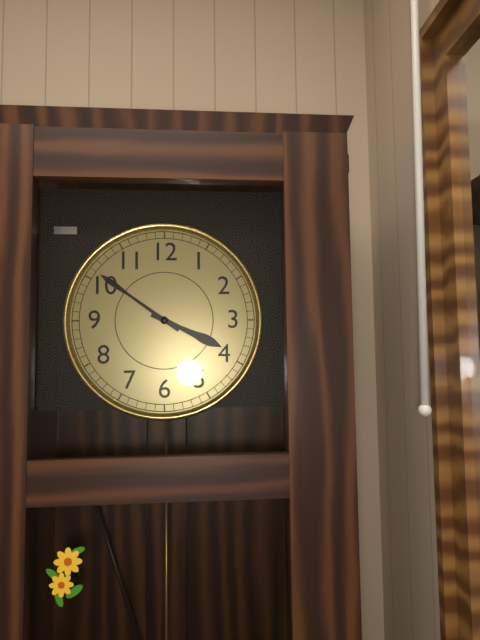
3 h 51 min
